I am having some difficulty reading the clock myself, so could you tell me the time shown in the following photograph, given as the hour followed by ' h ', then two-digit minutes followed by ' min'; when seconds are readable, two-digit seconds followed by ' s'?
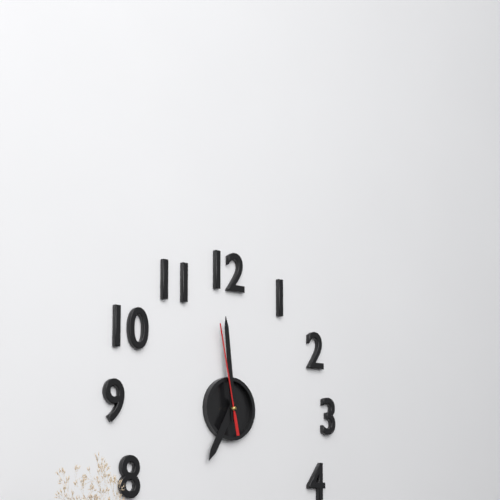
6 h 59 min 58 s
